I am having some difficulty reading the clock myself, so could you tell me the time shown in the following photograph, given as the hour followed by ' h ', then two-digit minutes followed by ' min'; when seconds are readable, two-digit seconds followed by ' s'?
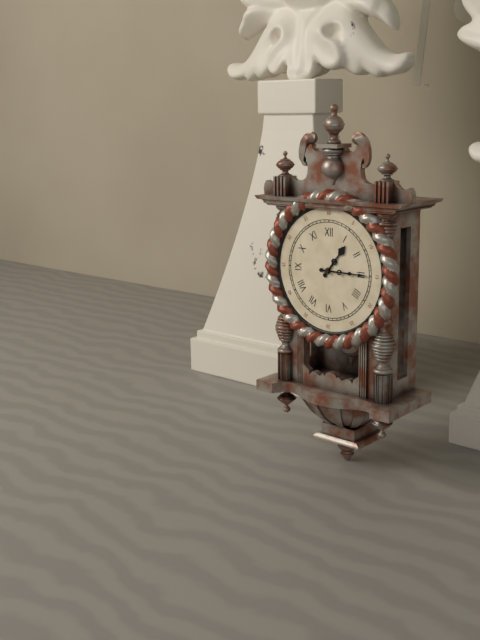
1 h 15 min
